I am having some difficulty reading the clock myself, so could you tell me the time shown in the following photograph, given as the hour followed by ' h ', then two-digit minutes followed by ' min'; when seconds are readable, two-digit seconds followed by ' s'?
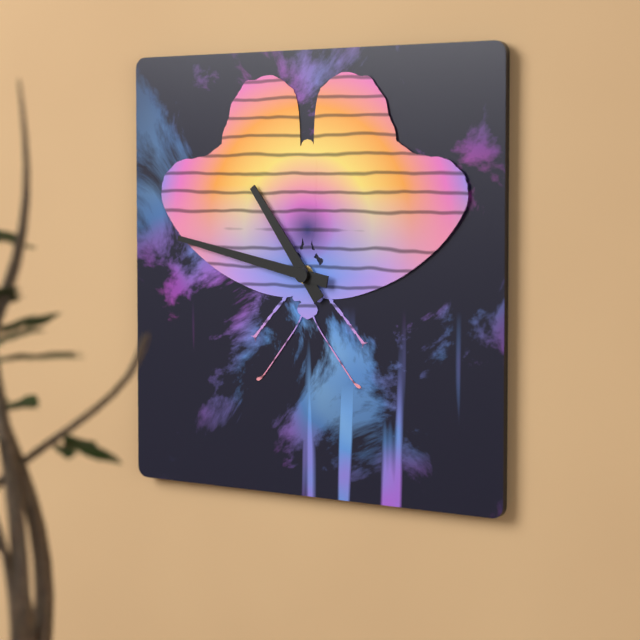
10 h 47 min
